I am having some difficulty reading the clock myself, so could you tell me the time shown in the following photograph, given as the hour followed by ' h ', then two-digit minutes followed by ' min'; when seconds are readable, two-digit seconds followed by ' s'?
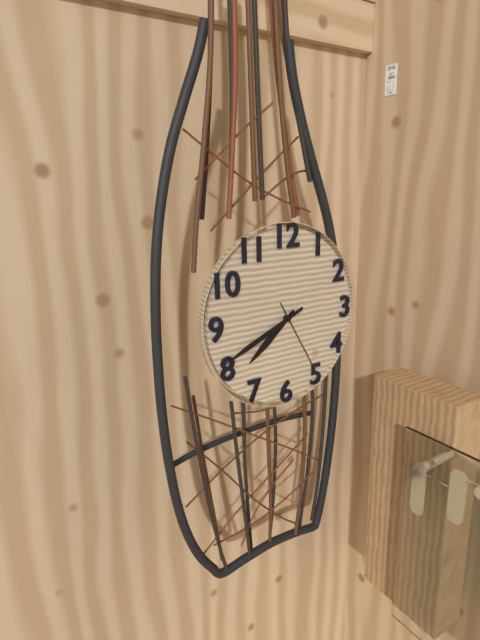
7 h 41 min 25 s
